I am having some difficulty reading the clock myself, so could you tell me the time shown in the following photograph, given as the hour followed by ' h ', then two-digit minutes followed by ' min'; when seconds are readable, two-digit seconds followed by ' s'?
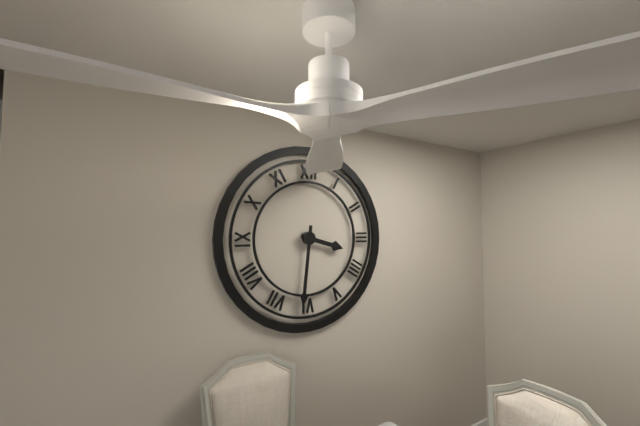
3 h 31 min
